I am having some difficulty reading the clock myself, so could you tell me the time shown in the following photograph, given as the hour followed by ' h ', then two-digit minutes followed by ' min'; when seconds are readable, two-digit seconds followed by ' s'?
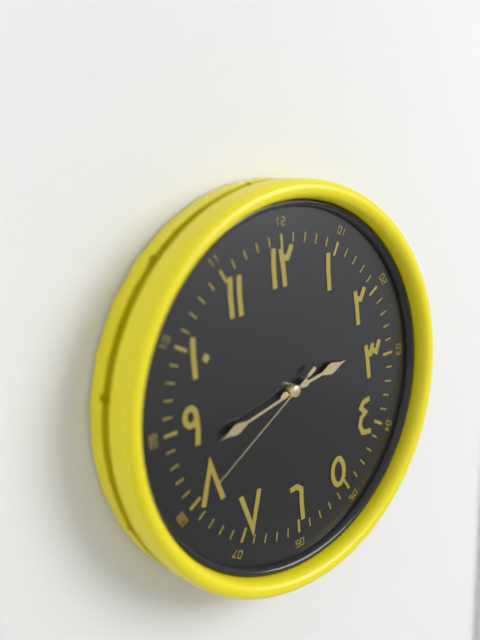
2 h 43 min 40 s
